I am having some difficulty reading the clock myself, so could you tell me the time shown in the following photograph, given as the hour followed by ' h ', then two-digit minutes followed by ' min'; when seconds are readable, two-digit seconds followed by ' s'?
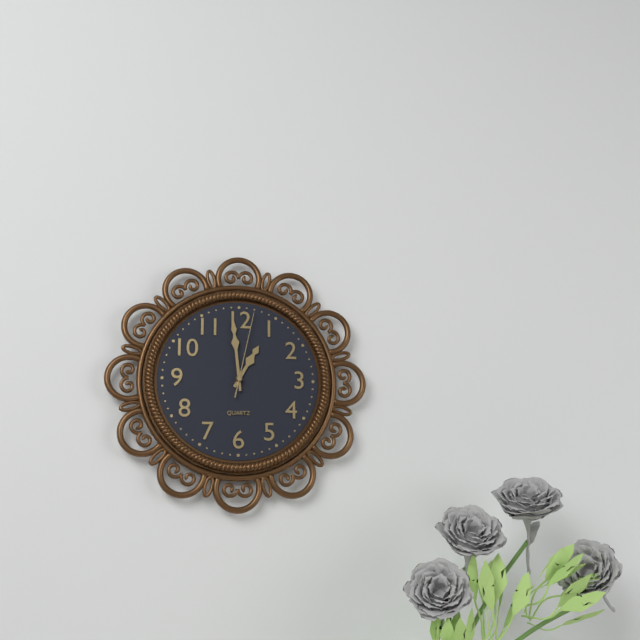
12 h 59 min 02 s
